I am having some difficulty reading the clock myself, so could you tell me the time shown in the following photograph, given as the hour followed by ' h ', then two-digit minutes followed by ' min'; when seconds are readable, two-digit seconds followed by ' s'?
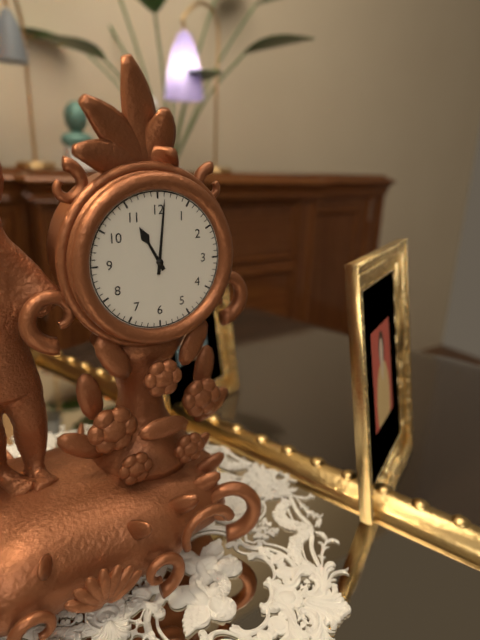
11 h 01 min
